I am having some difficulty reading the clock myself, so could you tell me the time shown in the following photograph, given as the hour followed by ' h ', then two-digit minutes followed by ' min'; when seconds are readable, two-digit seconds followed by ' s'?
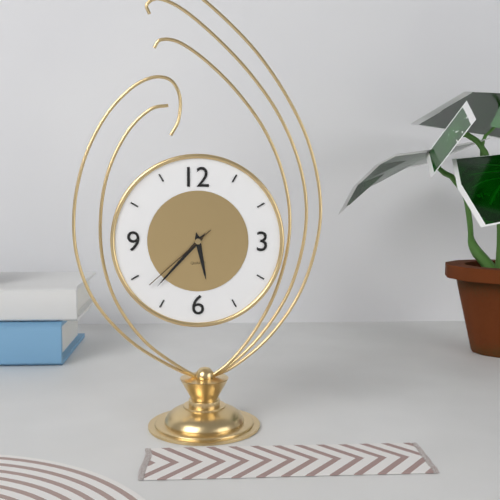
5 h 37 min 38 s
